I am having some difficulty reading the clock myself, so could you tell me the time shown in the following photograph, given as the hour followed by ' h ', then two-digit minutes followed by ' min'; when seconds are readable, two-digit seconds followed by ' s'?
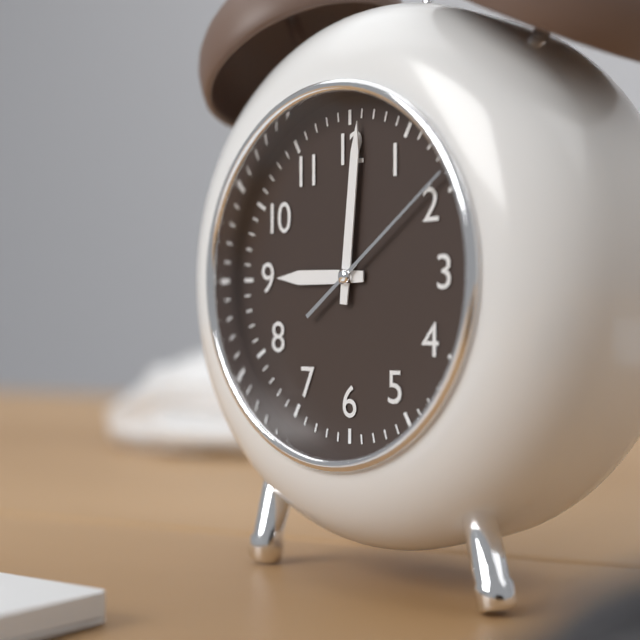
9 h 01 min 09 s
